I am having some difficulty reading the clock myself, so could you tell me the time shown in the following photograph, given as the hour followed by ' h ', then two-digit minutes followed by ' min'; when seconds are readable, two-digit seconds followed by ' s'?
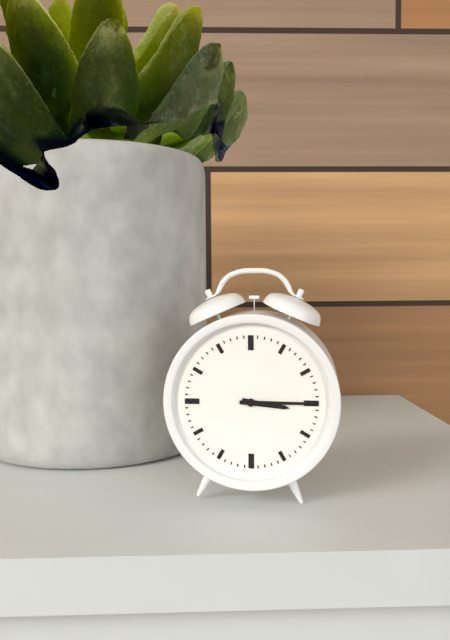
3 h 15 min
